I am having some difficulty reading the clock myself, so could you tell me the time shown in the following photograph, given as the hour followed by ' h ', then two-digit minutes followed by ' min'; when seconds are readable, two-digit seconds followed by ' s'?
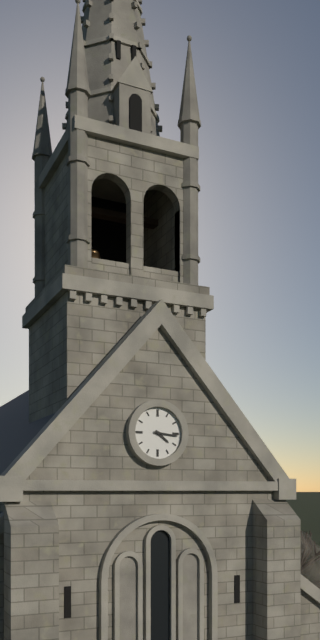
4 h 16 min
